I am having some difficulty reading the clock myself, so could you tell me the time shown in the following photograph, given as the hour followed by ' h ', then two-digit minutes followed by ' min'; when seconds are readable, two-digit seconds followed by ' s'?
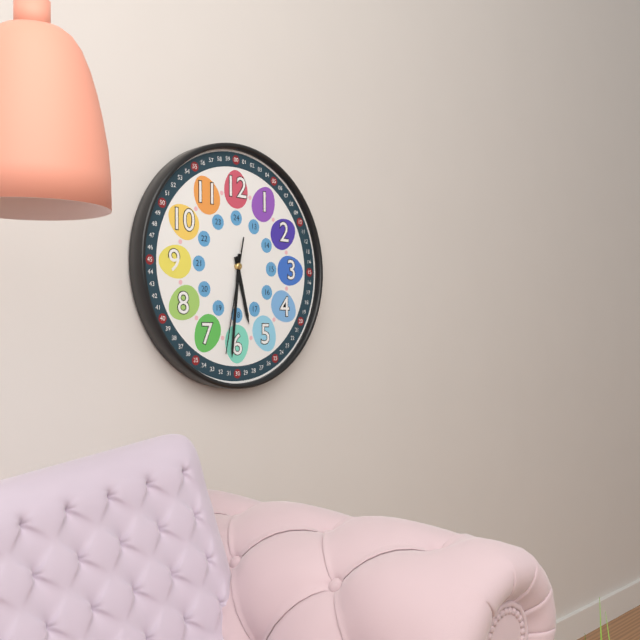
5 h 31 min 32 s
